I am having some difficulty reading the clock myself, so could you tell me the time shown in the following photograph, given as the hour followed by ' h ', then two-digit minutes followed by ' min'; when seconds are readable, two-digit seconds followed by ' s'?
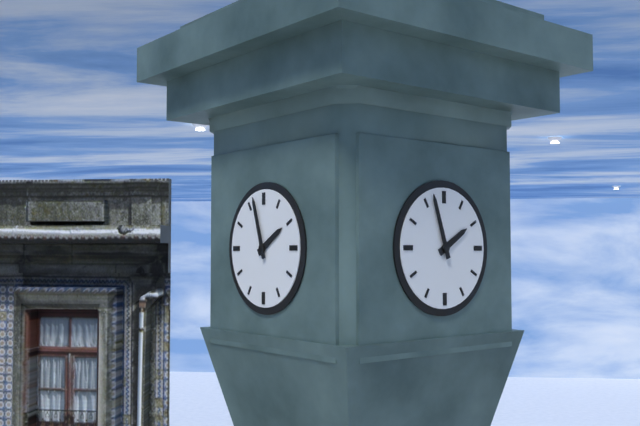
1 h 57 min
